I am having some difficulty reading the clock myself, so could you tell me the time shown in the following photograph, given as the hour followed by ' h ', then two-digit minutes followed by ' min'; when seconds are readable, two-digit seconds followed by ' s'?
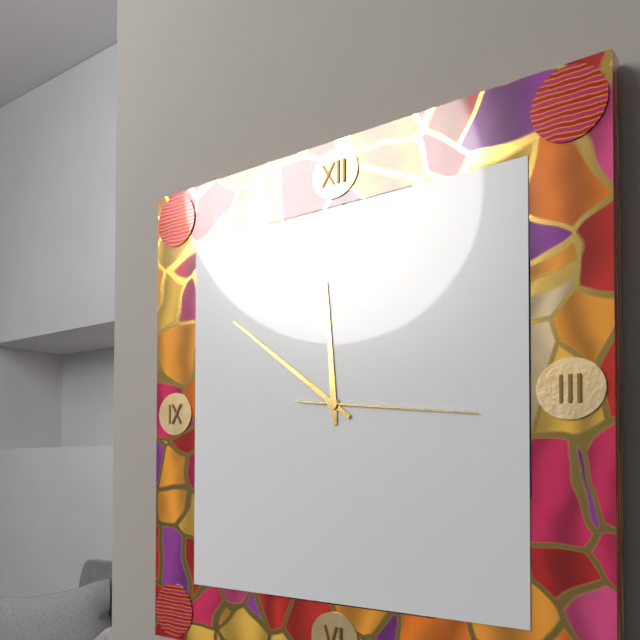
11 h 51 min 16 s
